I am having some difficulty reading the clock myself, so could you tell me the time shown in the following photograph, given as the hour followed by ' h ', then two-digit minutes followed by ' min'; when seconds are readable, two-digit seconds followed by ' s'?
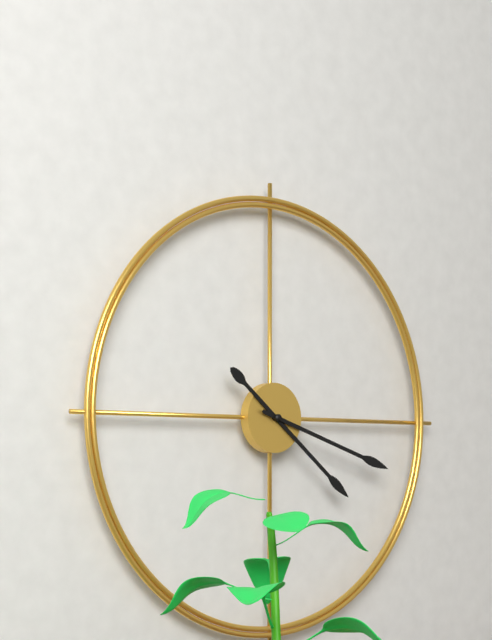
4 h 18 min
